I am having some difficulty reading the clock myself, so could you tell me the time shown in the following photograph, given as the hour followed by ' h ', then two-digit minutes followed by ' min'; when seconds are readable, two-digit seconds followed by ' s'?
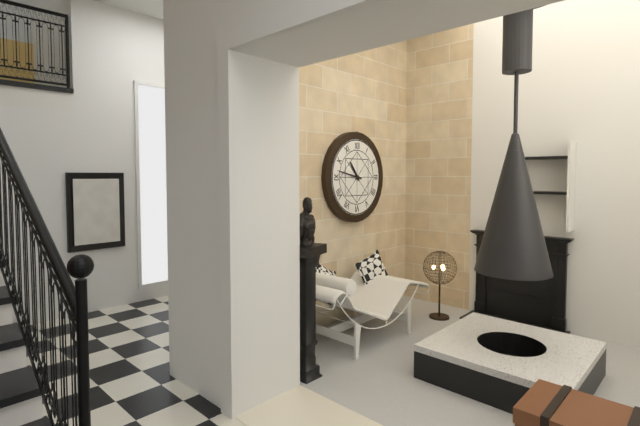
10 h 47 min
